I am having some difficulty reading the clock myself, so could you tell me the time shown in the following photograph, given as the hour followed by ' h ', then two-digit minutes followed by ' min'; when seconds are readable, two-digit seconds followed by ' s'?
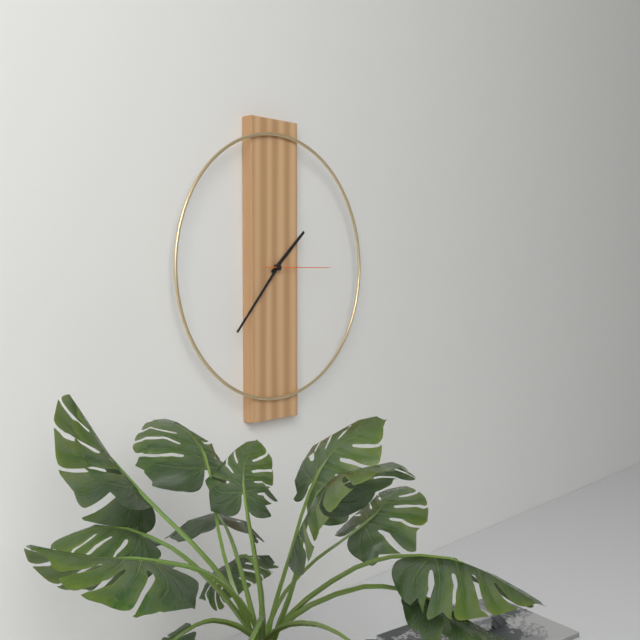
1 h 37 min 15 s
